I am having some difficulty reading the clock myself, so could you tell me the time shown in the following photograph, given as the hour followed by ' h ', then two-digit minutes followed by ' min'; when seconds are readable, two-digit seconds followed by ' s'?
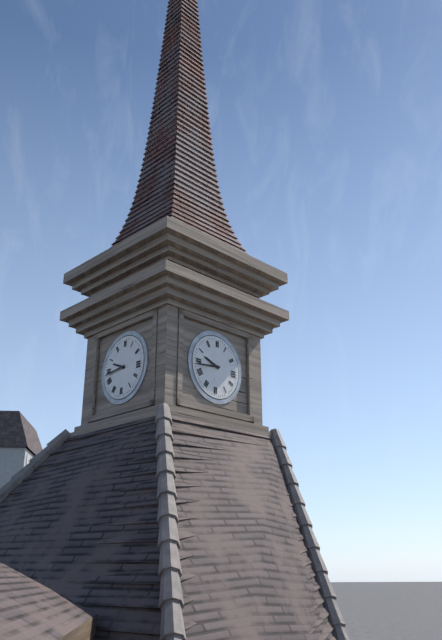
9 h 44 min
